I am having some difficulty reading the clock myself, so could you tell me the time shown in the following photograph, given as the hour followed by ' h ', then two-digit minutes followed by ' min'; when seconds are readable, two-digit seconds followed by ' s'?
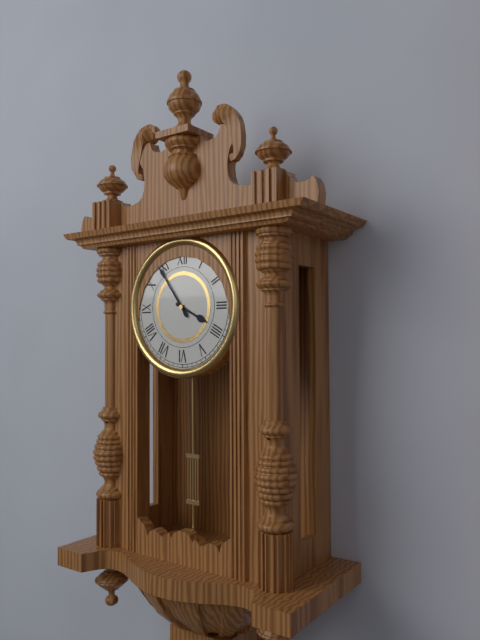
3 h 54 min
